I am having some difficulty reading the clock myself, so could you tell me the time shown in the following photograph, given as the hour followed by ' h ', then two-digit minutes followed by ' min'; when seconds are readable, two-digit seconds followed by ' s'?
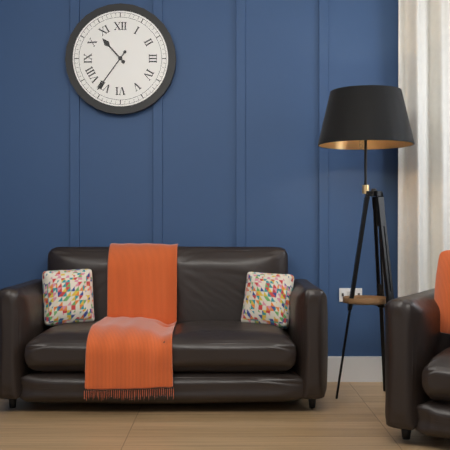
10 h 36 min
